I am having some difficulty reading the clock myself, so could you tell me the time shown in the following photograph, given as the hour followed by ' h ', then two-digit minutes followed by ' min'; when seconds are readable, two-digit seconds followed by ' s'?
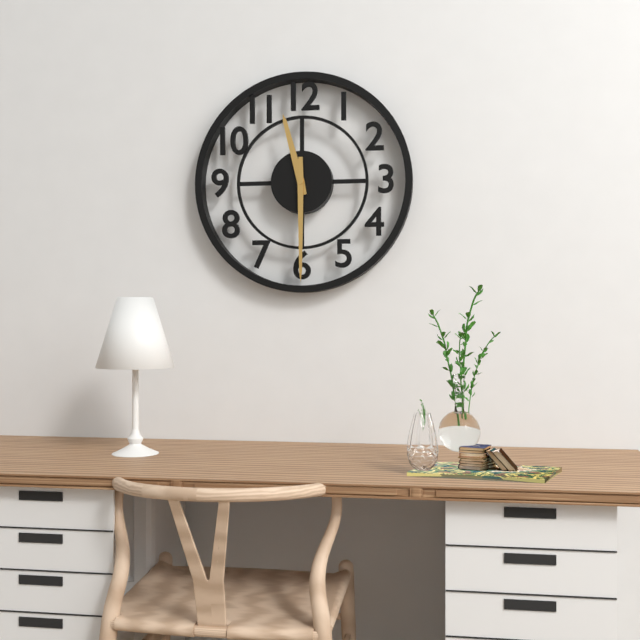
11 h 30 min
